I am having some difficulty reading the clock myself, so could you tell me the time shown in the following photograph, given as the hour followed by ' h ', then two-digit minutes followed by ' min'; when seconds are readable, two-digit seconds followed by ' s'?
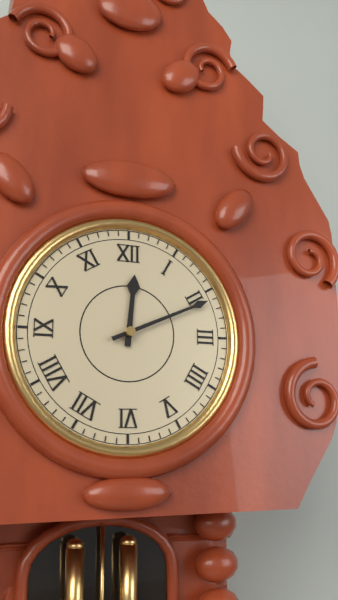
12 h 11 min
